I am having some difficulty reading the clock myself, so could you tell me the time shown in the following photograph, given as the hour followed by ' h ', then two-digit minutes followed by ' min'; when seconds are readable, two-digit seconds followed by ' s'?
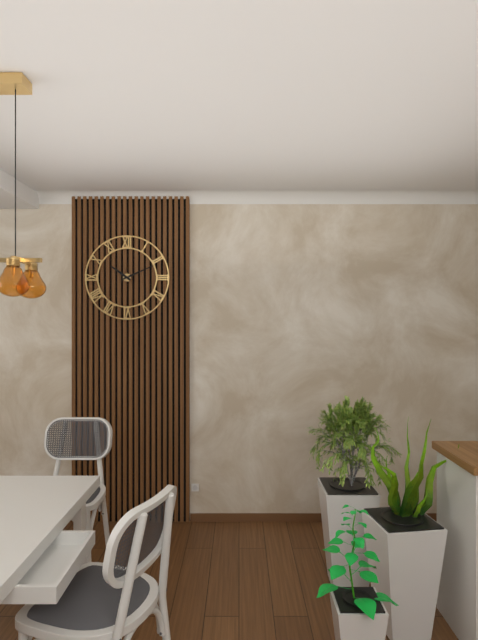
10 h 11 min
